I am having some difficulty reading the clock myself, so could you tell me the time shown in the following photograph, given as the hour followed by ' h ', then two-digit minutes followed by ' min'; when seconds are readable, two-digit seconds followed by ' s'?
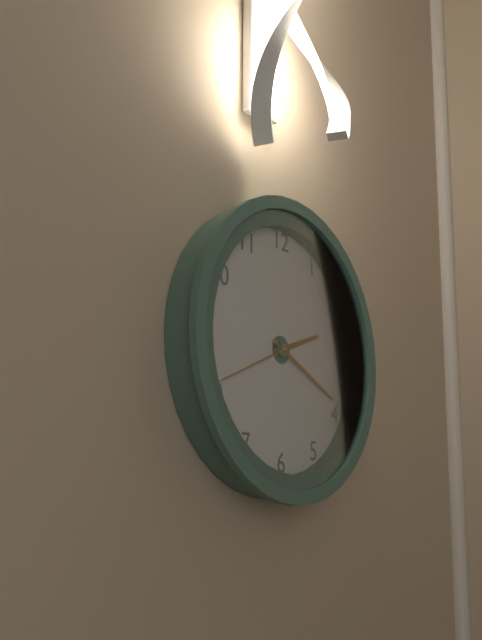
2 h 19 min 41 s
